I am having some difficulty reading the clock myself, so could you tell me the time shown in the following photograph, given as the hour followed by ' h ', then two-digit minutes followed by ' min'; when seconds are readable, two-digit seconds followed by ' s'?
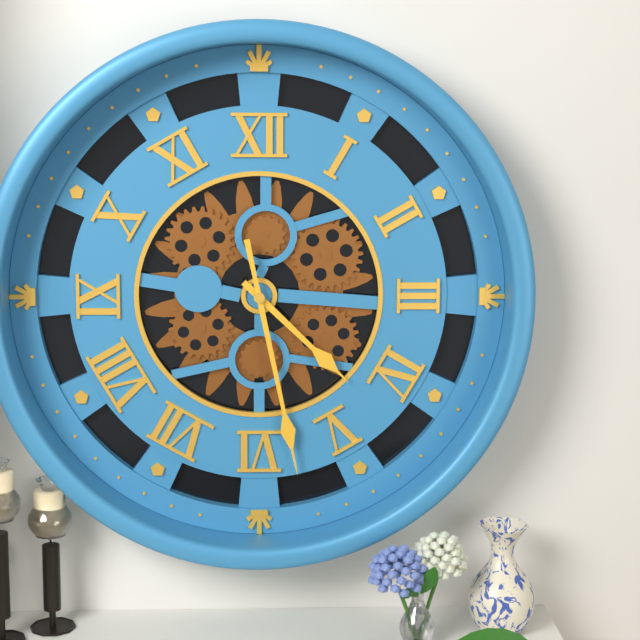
4 h 28 min
